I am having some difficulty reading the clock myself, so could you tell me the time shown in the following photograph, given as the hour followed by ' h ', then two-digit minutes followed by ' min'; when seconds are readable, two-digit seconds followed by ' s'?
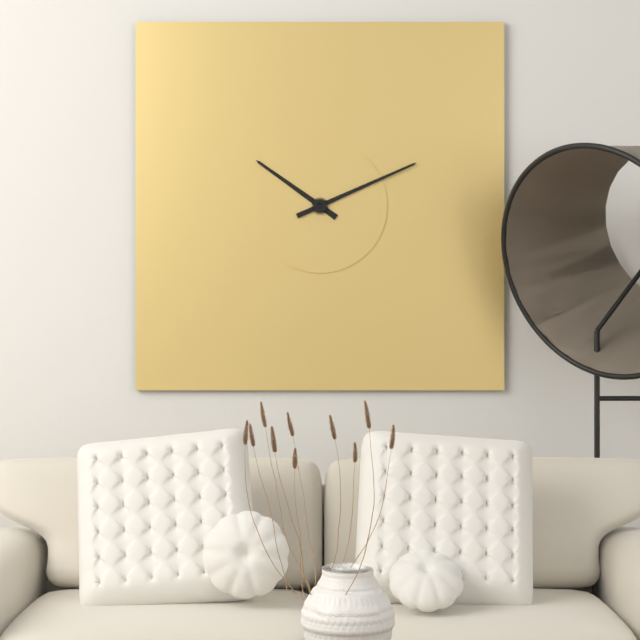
10 h 11 min
